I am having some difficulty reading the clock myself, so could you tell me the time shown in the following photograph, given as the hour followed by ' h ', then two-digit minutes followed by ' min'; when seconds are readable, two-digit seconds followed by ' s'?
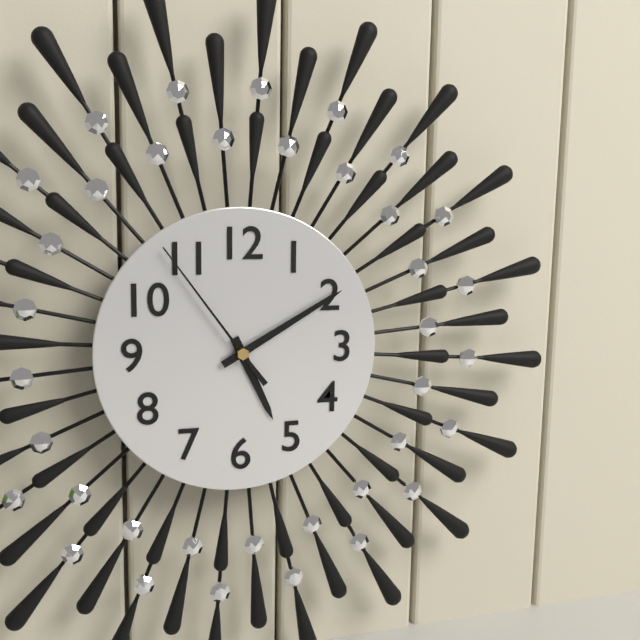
5 h 10 min 54 s
